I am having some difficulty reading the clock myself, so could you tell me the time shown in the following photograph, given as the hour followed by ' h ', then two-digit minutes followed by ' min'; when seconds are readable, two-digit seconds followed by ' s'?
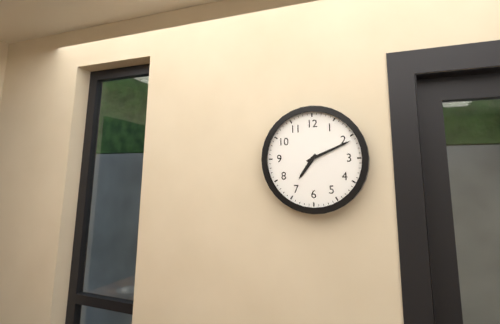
7 h 11 min
